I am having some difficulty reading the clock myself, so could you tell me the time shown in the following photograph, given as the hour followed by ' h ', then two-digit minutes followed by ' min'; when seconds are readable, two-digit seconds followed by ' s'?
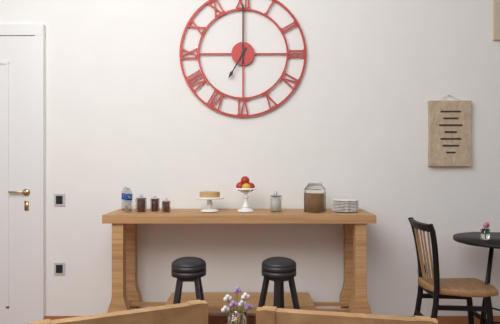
7 h 00 min
